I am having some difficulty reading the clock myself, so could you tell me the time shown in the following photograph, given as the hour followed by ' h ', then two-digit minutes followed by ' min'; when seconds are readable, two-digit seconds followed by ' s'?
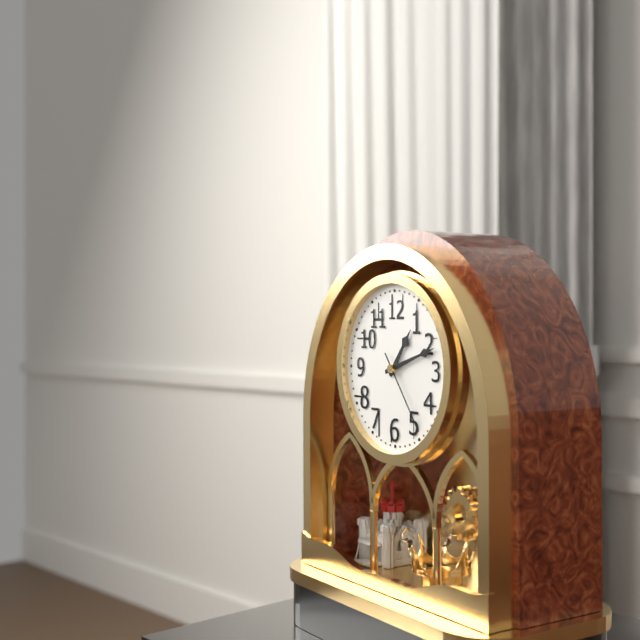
1 h 12 min 24 s
